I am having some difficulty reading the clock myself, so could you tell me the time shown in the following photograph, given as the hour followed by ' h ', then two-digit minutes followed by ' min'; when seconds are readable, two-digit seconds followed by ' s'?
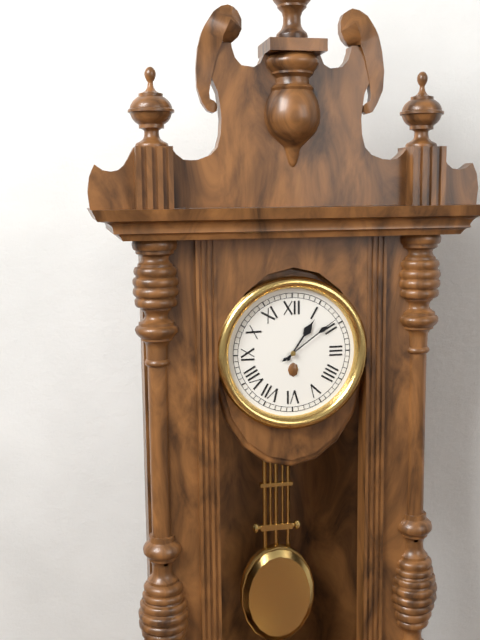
1 h 09 min
